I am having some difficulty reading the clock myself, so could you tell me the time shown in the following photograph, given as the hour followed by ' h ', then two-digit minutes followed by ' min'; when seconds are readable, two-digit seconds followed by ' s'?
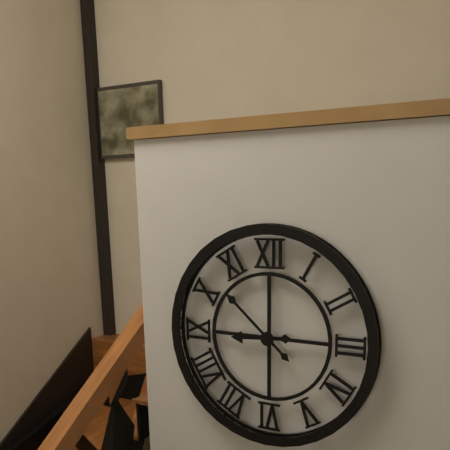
8 h 52 min
